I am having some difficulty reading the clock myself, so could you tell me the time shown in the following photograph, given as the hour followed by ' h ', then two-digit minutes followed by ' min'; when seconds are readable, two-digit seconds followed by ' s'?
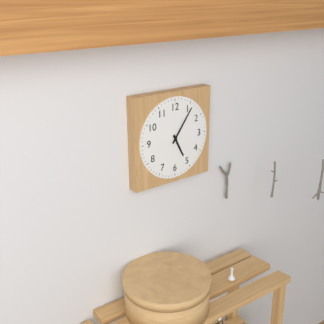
5 h 06 min
